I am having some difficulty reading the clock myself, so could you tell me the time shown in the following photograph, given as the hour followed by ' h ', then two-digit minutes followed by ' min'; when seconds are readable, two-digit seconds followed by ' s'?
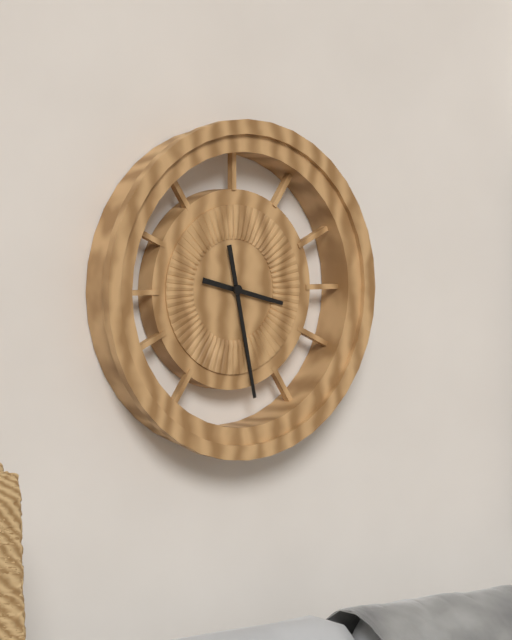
3 h 28 min
